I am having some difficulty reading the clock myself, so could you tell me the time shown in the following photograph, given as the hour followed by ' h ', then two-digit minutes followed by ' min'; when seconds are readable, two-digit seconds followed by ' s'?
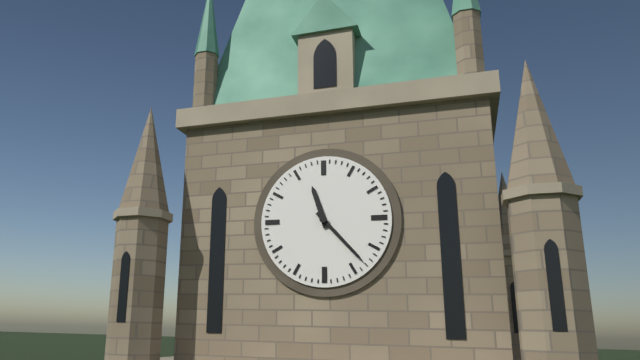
11 h 23 min
